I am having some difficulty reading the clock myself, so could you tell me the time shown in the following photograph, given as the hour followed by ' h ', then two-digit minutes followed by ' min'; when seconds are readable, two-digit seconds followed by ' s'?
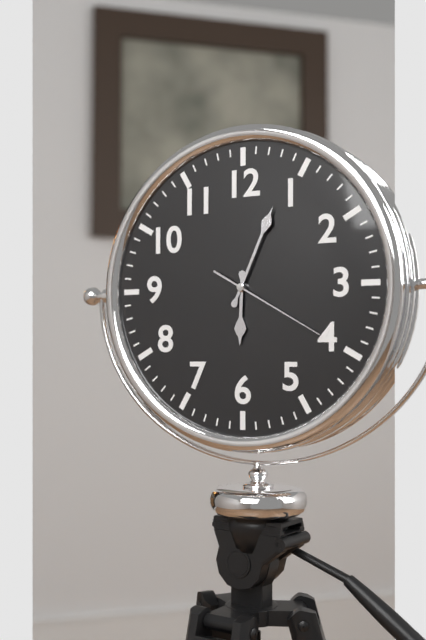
6 h 04 min 20 s
